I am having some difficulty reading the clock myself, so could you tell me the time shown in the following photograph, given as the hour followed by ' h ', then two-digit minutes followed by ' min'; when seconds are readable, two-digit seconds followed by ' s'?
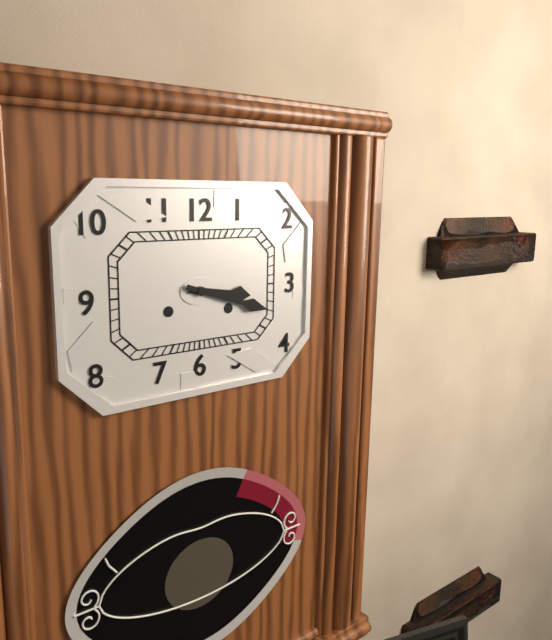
3 h 18 min
